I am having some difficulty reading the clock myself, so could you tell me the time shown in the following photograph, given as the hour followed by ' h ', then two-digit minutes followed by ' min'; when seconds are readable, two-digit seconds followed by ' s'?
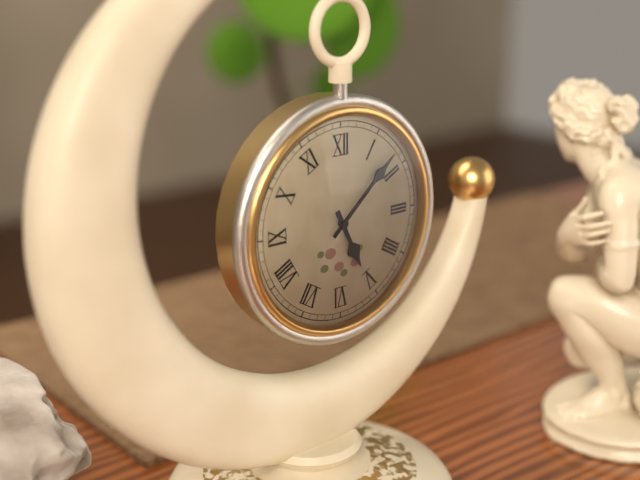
5 h 08 min
